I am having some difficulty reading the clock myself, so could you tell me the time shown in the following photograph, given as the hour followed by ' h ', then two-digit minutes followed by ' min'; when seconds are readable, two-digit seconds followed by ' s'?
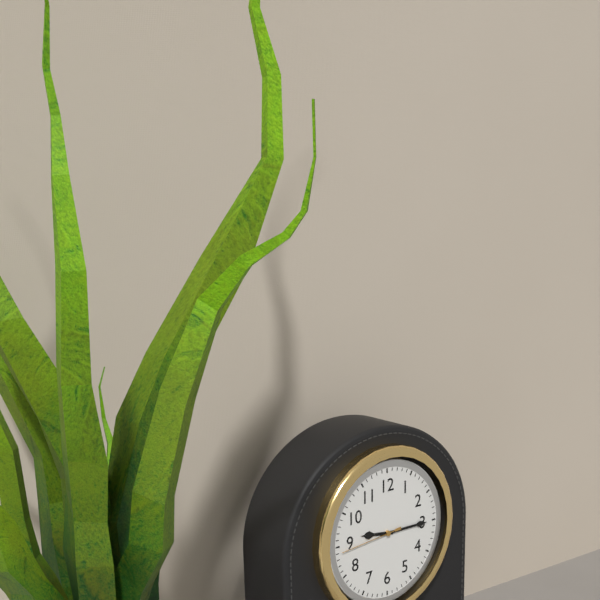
9 h 15 min 44 s
